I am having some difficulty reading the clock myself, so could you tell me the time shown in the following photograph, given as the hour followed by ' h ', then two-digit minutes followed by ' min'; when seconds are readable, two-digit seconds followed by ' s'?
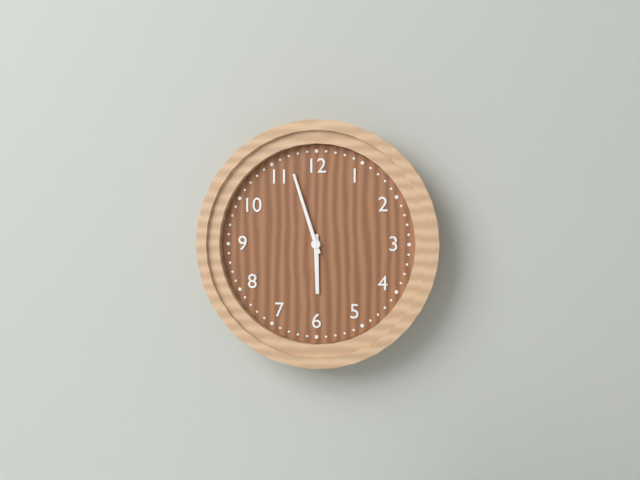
5 h 57 min
